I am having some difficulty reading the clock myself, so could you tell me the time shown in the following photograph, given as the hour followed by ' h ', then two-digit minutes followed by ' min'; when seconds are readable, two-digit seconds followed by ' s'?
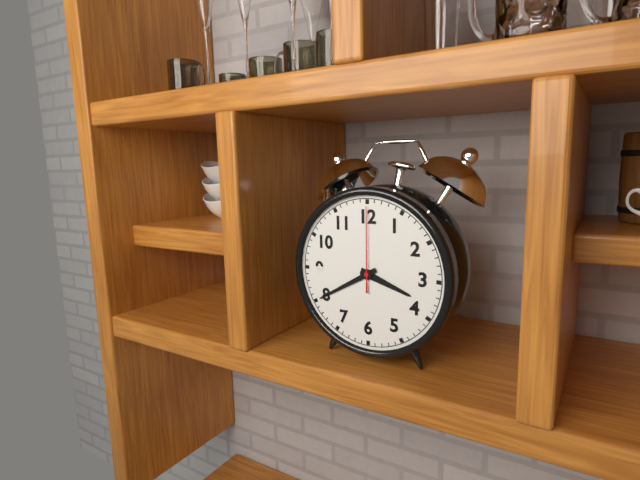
3 h 40 min 00 s
